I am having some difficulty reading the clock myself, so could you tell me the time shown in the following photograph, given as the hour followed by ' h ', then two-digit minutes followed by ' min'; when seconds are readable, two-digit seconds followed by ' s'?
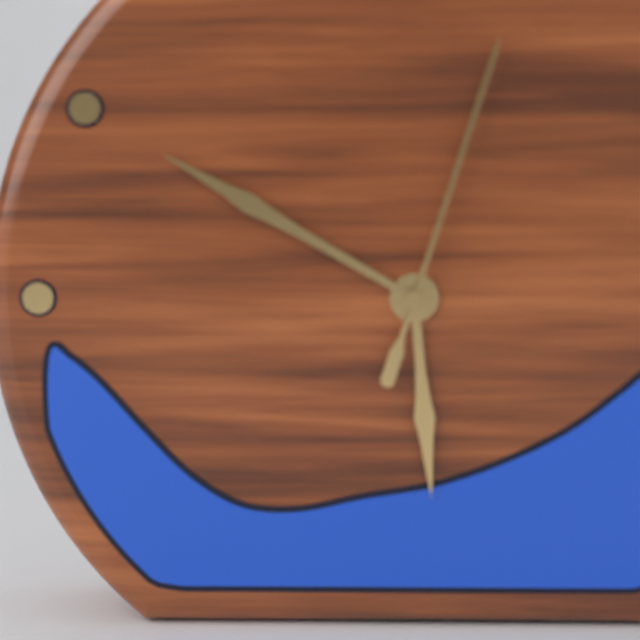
5 h 50 min 03 s
